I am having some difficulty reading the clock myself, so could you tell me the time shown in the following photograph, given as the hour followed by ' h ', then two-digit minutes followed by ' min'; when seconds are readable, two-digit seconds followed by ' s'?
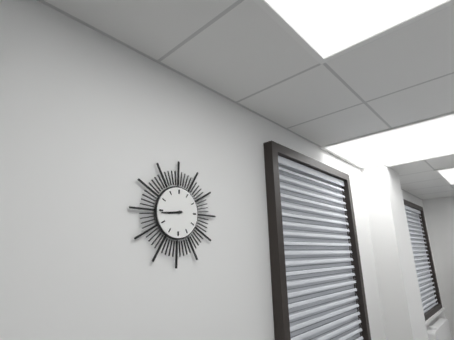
8 h 44 min
